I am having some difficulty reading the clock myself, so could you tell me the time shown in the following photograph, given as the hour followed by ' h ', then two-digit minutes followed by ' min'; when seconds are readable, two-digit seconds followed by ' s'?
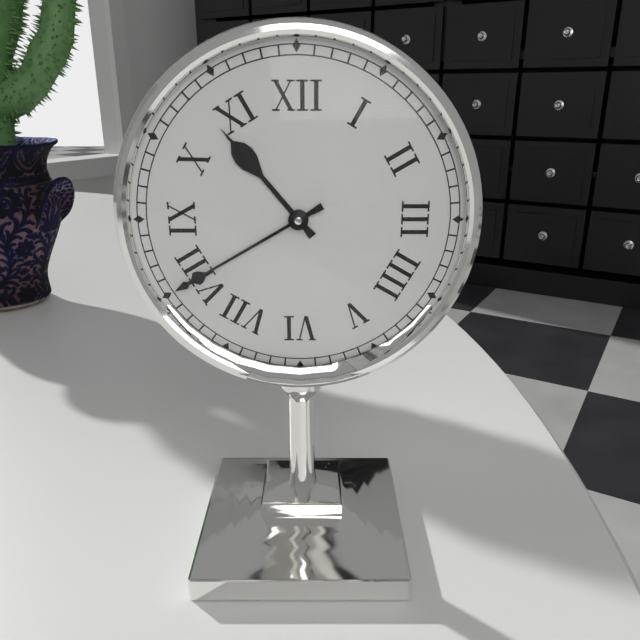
10 h 40 min
